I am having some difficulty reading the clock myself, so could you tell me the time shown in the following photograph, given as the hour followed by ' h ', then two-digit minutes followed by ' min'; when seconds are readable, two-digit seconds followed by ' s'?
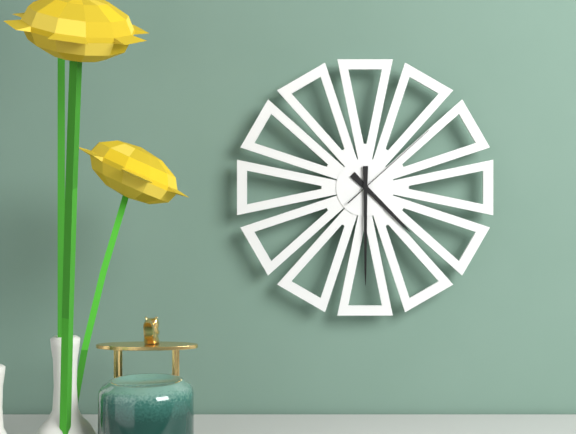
4 h 30 min 08 s
